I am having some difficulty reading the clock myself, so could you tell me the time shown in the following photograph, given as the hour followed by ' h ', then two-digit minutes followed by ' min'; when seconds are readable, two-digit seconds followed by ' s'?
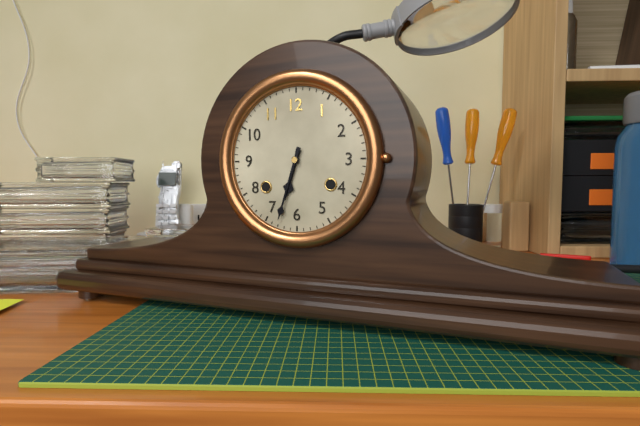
6 h 33 min
